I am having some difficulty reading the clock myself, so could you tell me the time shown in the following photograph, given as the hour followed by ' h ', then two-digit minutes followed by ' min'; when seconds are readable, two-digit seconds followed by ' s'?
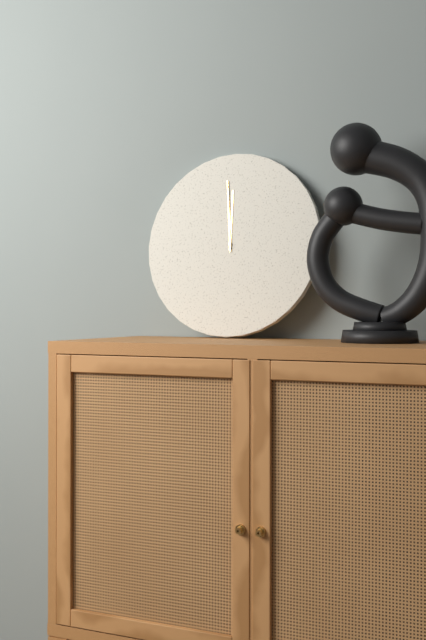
11 h 59 min
